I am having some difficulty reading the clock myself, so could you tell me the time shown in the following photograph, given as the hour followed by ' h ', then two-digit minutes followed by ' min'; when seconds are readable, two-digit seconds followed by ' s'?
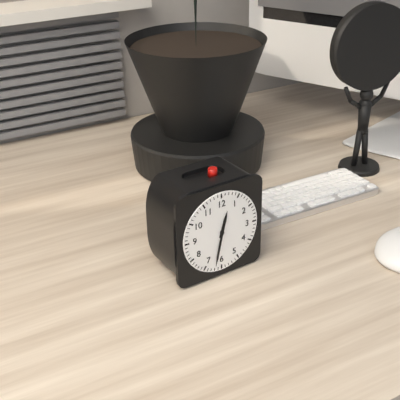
12 h 32 min
